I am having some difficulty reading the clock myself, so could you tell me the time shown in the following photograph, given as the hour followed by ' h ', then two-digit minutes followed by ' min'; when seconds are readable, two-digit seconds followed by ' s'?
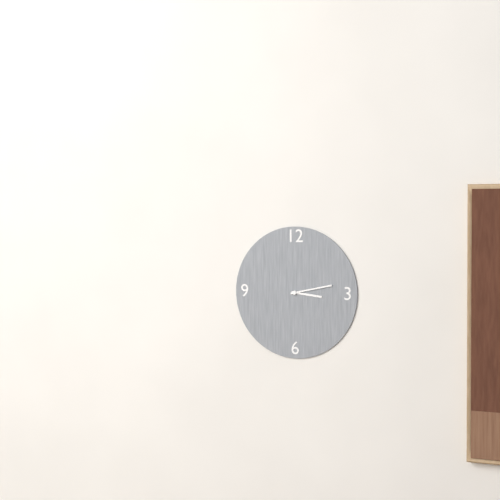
3 h 13 min
